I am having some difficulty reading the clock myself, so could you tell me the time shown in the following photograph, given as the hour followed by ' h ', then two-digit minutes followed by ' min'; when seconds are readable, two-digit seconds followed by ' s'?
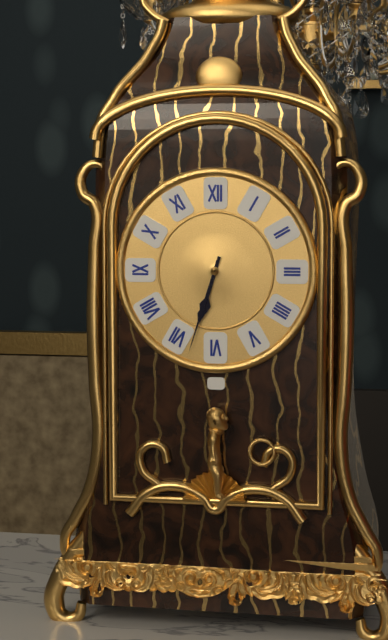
6 h 33 min
